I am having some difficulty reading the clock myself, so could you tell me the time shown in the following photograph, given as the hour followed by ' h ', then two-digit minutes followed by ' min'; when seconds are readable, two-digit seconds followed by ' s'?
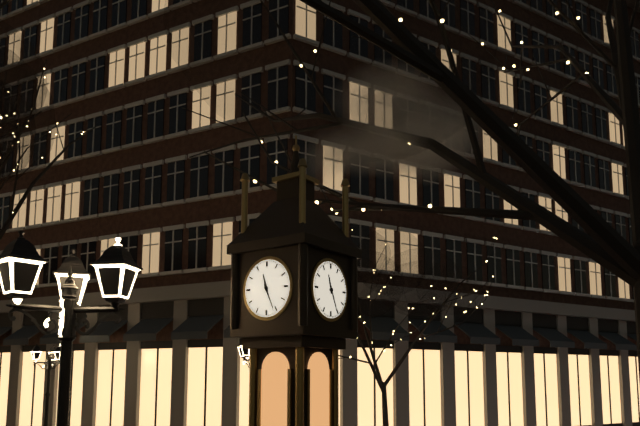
11 h 26 min
